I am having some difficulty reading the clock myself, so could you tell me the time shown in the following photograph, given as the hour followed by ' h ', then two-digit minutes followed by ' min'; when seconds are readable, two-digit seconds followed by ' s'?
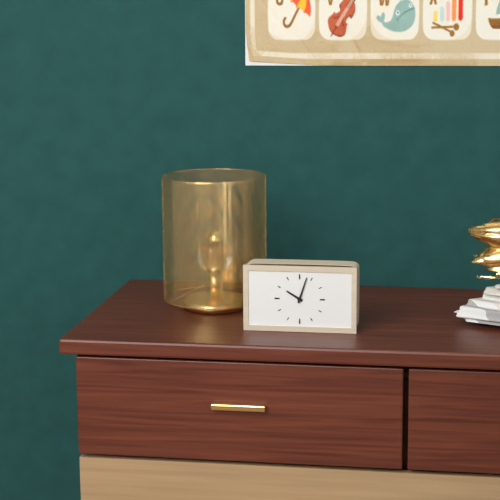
10 h 03 min
